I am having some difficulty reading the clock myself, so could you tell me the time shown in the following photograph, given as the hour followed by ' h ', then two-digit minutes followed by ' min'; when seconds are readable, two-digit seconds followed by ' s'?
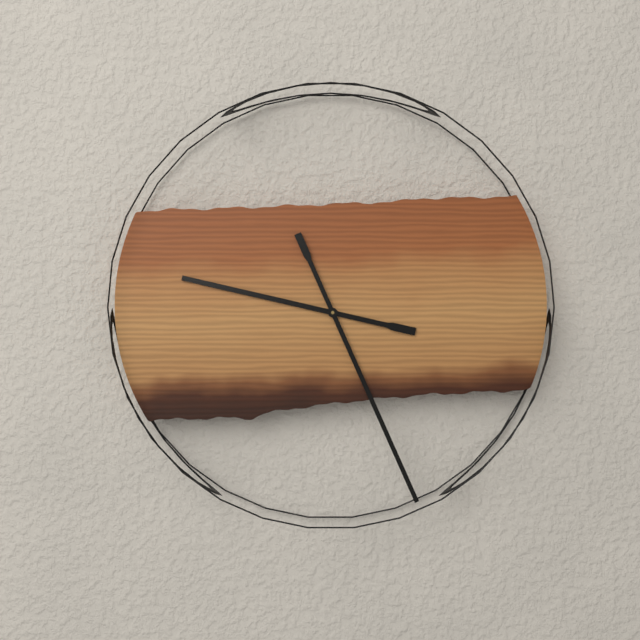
9 h 26 min
